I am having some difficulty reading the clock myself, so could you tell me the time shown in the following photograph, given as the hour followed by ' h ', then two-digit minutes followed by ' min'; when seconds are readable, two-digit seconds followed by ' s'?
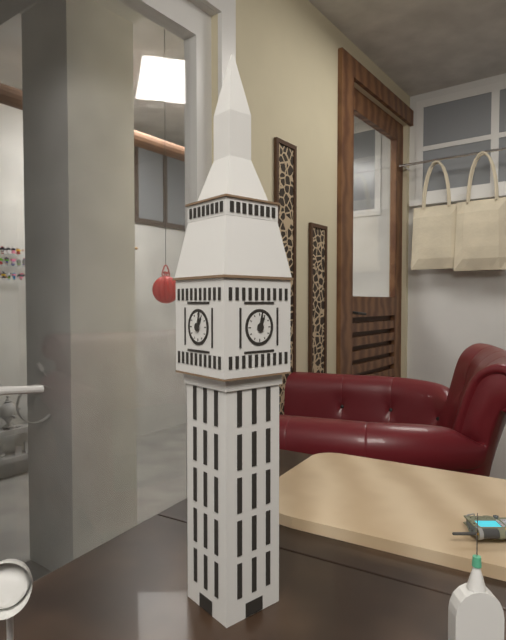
1 h 02 min
